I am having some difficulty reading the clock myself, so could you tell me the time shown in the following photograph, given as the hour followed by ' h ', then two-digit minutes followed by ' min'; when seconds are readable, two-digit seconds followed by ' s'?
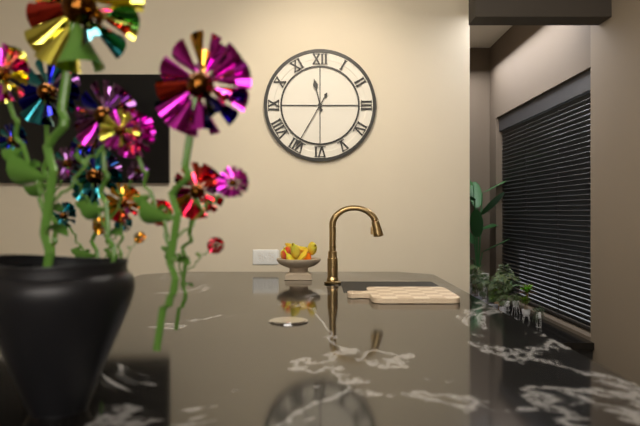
11 h 35 min
